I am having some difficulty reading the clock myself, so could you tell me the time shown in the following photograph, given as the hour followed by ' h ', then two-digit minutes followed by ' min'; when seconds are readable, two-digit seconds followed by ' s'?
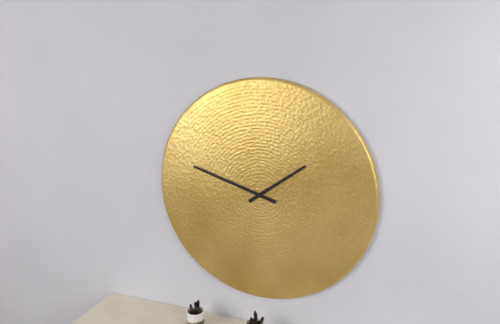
1 h 48 min
